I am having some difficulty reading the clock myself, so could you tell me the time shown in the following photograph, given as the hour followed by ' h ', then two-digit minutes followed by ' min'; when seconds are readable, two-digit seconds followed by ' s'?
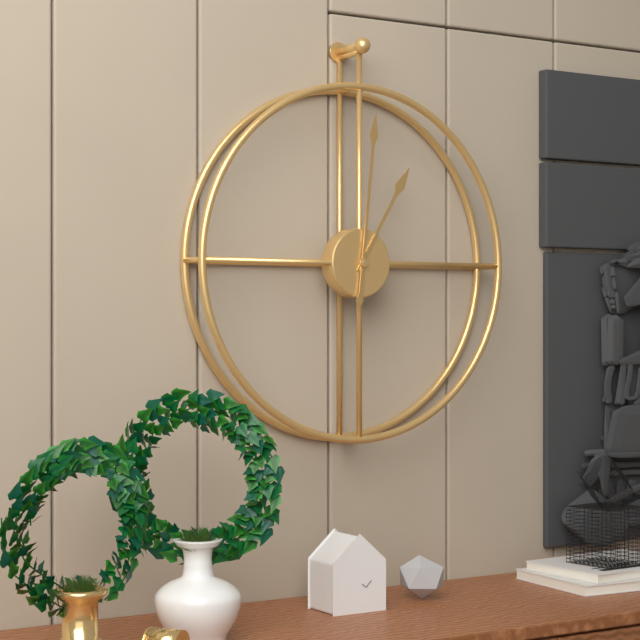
1 h 01 min
